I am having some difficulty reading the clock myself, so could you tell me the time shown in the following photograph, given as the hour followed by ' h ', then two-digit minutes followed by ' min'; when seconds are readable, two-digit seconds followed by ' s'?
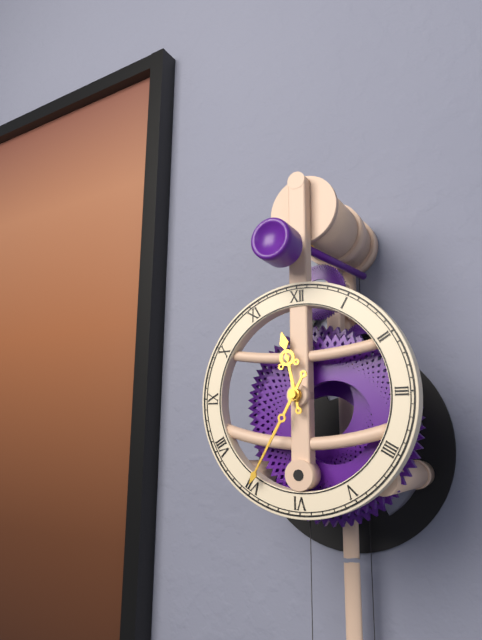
11 h 35 min
